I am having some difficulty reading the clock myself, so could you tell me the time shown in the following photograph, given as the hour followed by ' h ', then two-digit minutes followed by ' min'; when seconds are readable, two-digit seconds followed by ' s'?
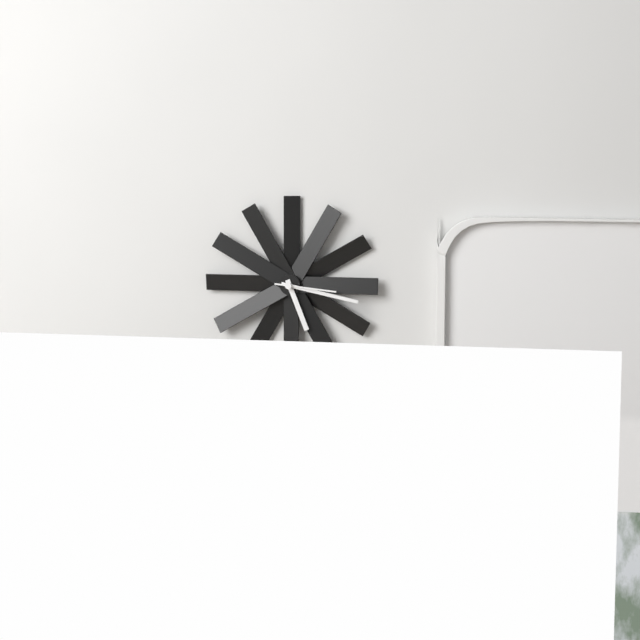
5 h 17 min 16 s
